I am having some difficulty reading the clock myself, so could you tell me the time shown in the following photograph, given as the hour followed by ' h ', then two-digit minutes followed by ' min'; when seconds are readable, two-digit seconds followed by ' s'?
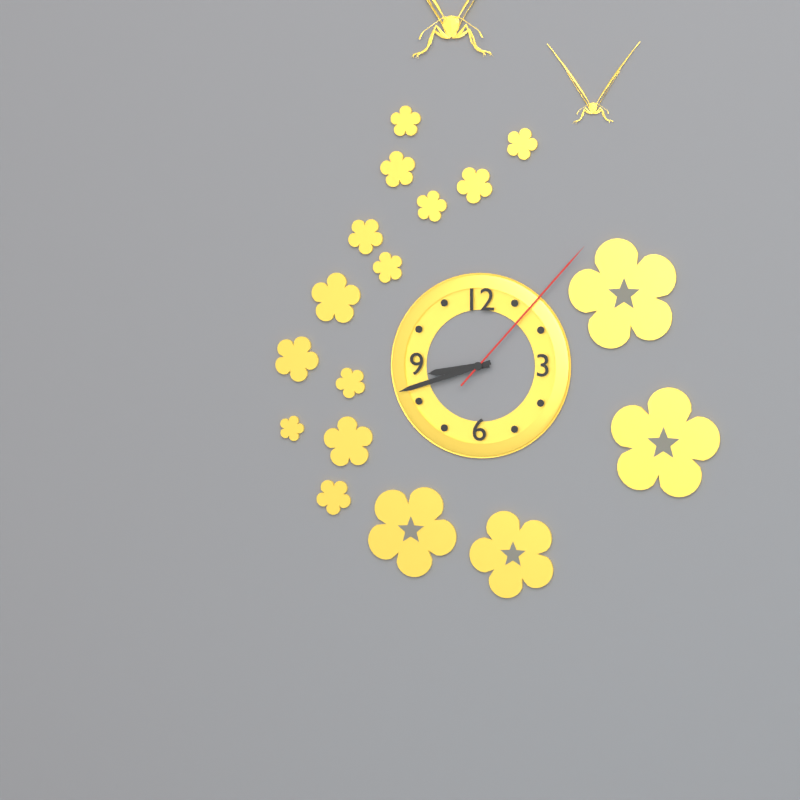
8 h 42 min 07 s
